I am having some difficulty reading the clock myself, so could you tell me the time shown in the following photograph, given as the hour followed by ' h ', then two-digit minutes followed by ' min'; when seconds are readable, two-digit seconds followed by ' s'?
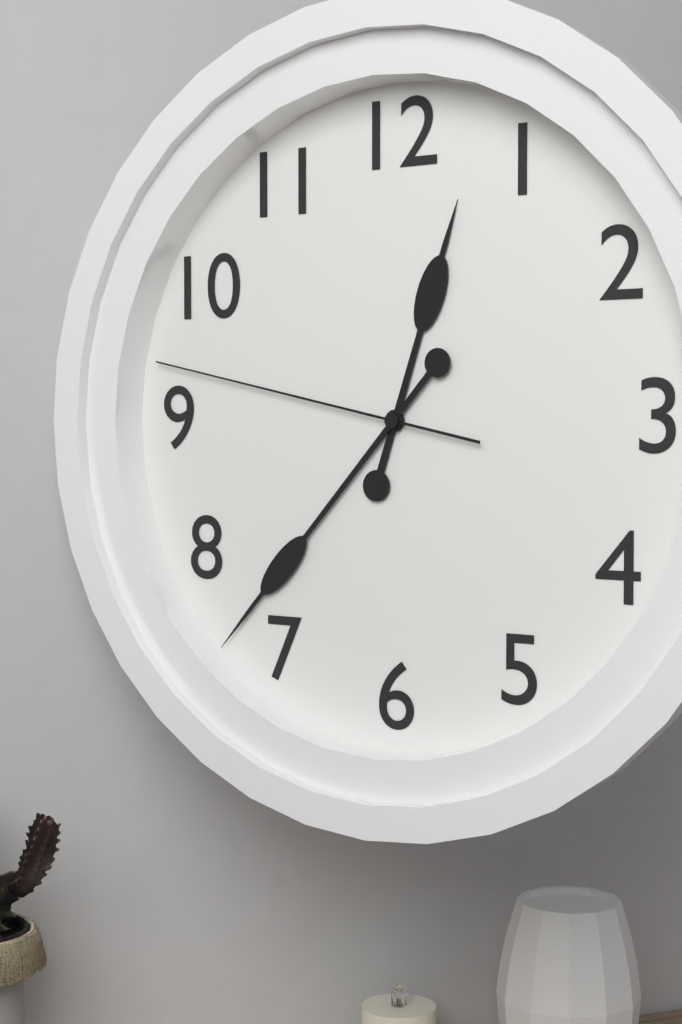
12 h 37 min 47 s
